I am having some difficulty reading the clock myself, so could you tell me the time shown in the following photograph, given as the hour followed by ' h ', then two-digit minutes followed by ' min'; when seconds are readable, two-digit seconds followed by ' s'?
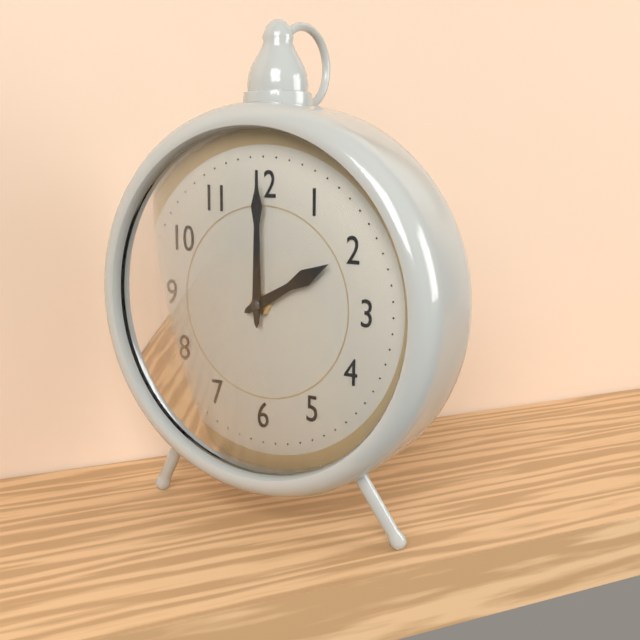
2 h 00 min
